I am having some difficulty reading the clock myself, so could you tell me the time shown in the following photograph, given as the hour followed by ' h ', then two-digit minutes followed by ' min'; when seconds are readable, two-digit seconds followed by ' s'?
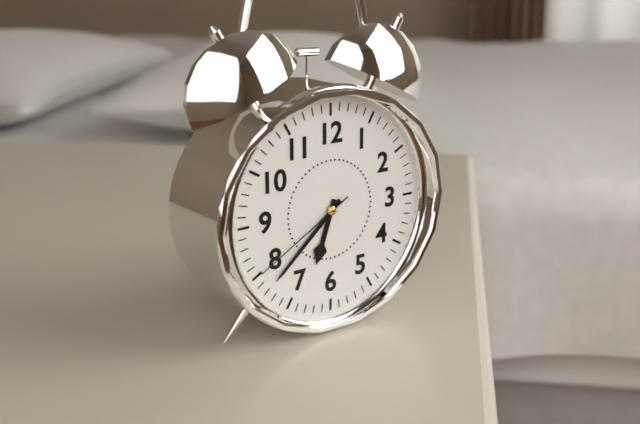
6 h 38 min 40 s
